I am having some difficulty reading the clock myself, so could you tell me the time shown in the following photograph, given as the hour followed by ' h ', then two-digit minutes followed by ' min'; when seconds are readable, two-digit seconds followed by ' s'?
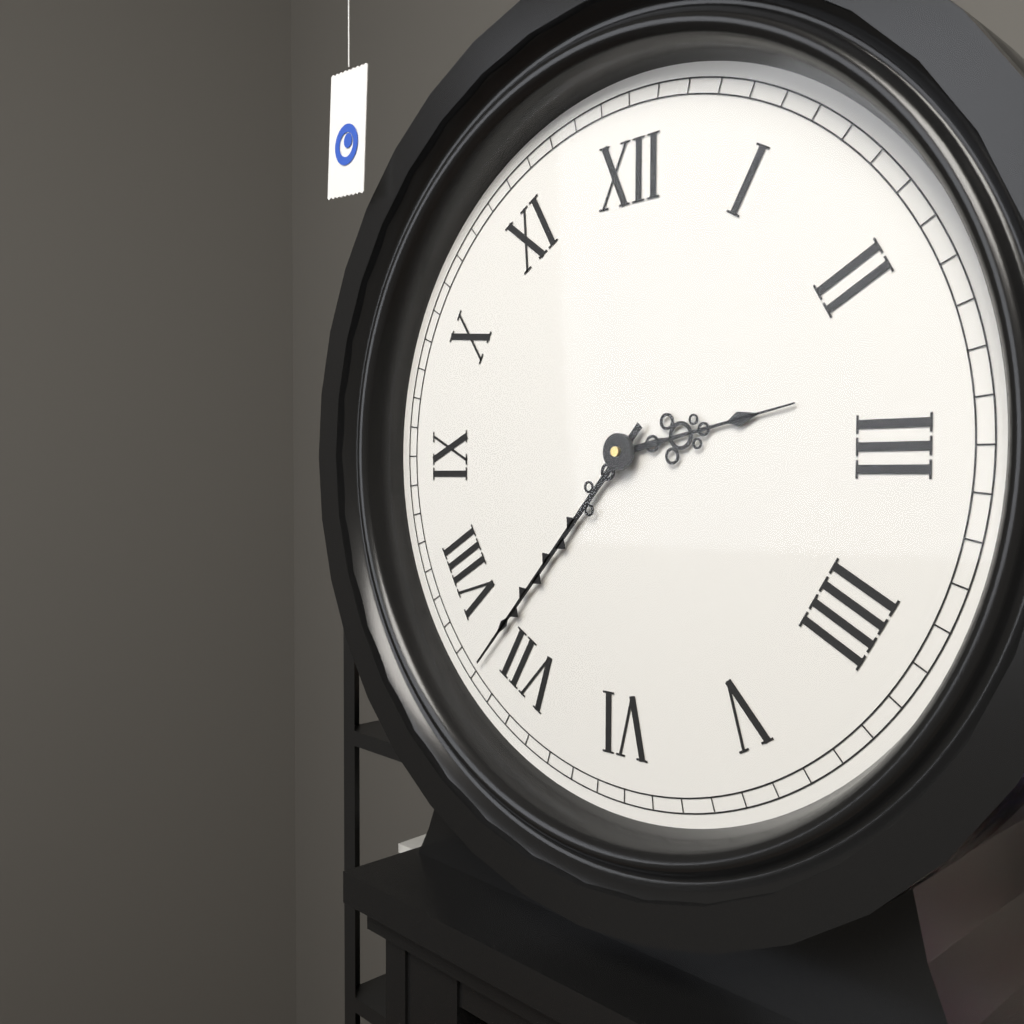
2 h 37 min
